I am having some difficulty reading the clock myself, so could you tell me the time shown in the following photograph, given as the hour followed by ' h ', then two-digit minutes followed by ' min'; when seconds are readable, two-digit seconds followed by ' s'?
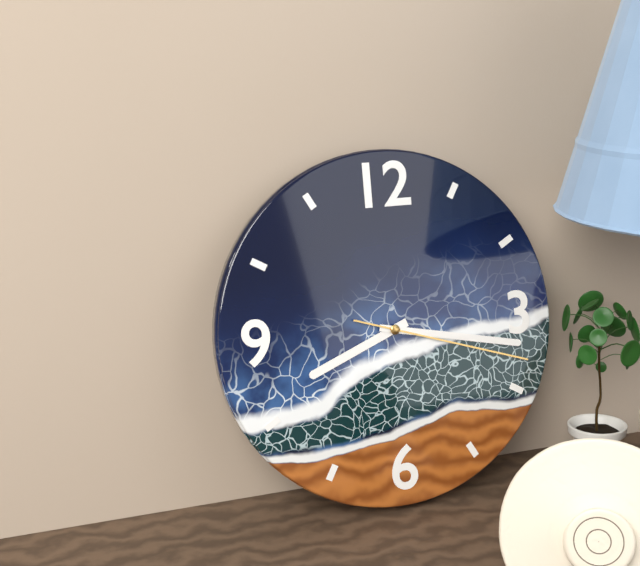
8 h 17 min 18 s
